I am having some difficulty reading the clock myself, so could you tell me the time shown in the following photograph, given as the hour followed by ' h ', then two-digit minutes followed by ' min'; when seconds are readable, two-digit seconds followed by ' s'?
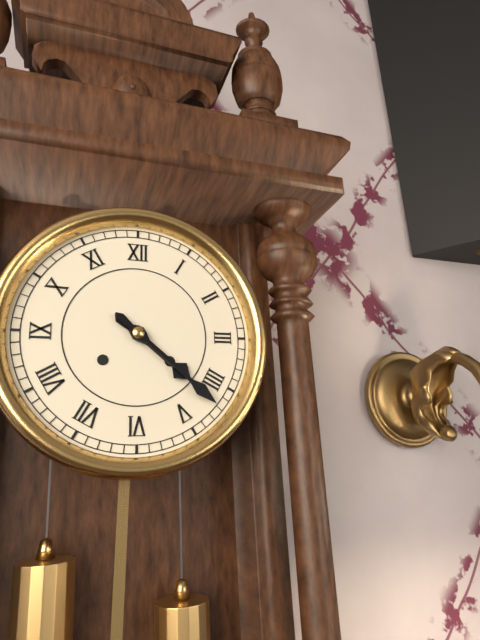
4 h 22 min
